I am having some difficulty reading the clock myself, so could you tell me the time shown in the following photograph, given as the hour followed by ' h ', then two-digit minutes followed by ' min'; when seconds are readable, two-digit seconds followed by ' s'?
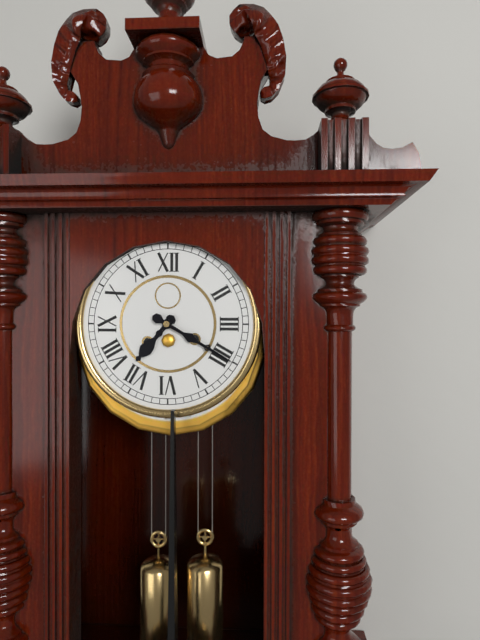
7 h 20 min
